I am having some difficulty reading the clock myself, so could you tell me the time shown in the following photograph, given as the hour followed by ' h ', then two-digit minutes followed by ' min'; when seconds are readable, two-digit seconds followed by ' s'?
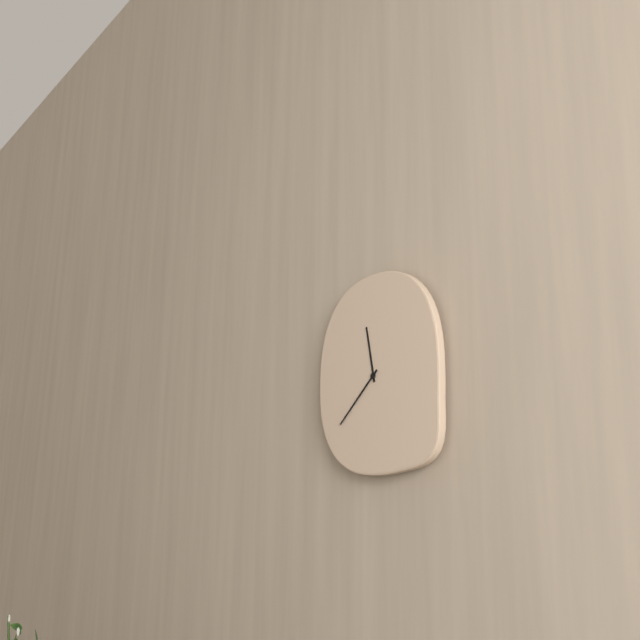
11 h 38 min
